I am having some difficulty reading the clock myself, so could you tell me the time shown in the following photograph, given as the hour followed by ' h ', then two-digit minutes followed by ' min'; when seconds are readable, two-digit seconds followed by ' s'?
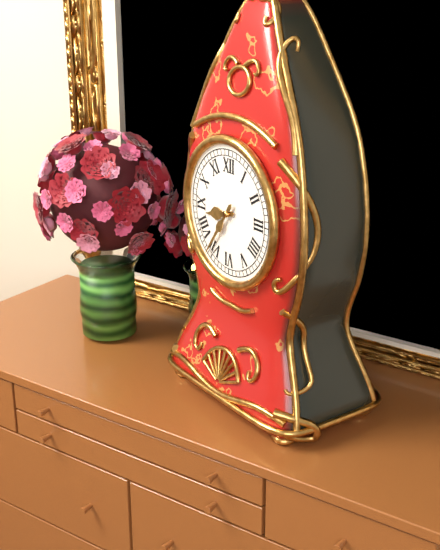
8 h 36 min
